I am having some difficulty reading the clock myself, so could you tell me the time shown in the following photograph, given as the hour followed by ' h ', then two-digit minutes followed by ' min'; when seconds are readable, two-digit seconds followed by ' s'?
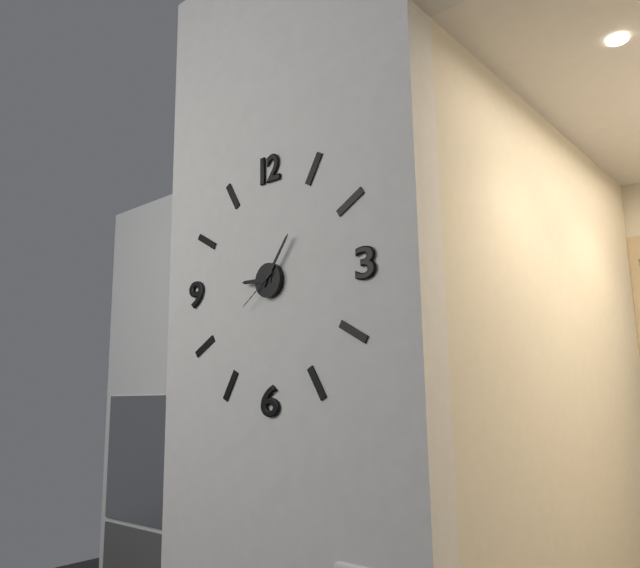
9 h 06 min
